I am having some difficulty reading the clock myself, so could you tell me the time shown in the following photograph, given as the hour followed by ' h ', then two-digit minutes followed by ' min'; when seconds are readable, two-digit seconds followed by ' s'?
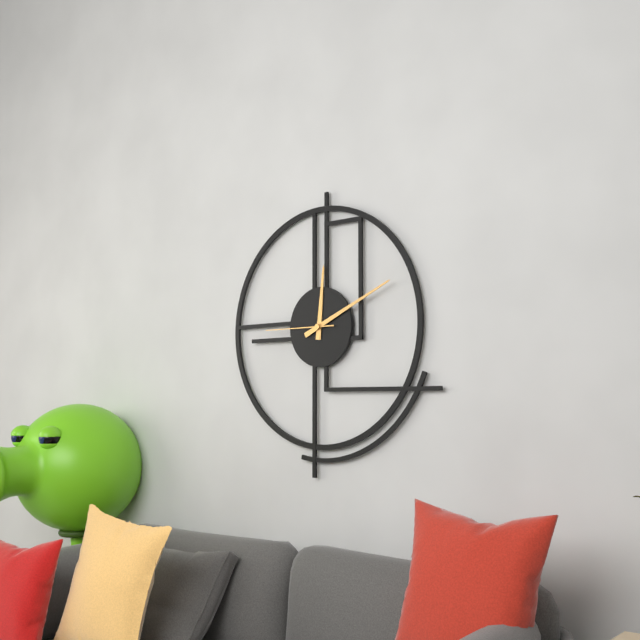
12 h 11 min 45 s
